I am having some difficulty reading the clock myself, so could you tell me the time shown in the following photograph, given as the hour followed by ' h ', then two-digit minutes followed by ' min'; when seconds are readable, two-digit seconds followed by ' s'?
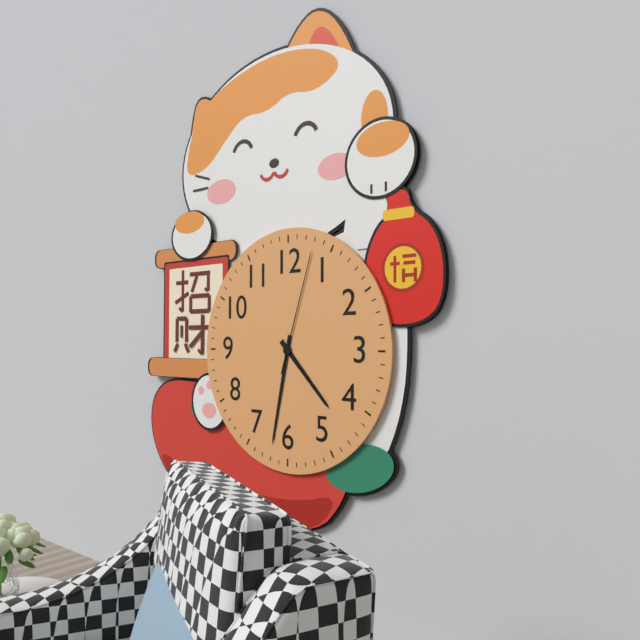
4 h 32 min 03 s
